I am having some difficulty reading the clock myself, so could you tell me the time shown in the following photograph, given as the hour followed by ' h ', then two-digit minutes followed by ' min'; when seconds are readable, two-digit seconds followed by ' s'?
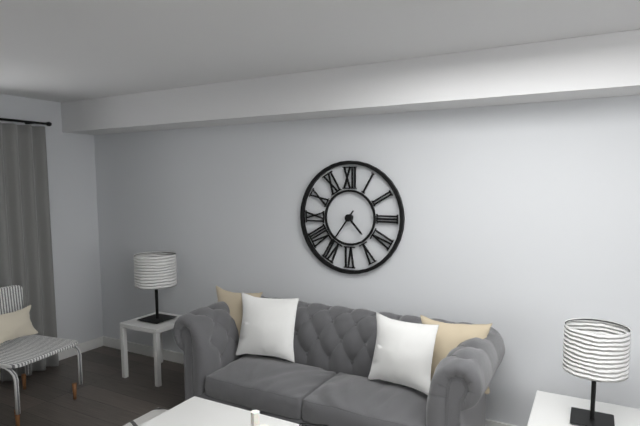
4 h 36 min
